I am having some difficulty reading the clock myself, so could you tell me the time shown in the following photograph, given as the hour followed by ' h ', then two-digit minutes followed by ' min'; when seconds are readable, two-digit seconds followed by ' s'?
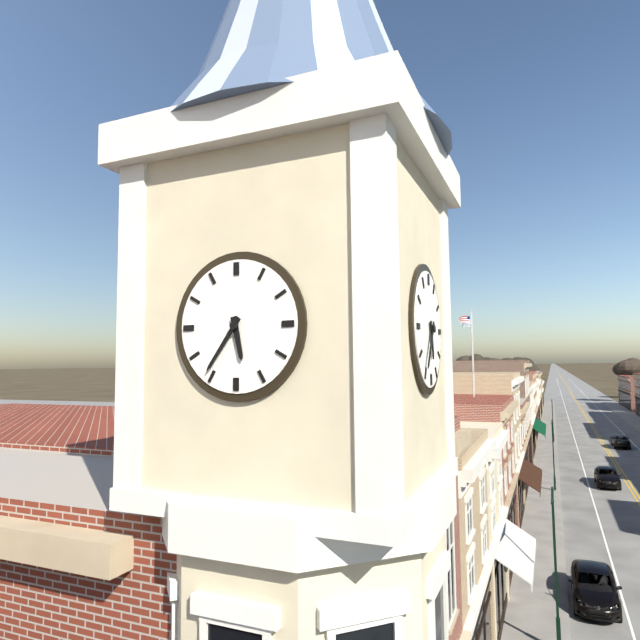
5 h 36 min
